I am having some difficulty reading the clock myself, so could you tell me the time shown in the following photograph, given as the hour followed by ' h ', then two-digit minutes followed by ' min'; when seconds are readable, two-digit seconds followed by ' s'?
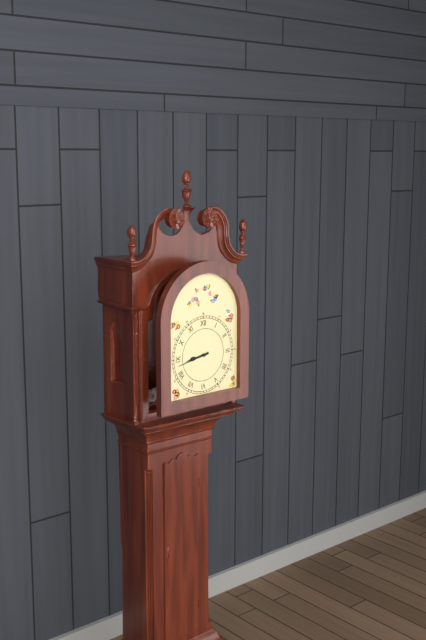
8 h 43 min
